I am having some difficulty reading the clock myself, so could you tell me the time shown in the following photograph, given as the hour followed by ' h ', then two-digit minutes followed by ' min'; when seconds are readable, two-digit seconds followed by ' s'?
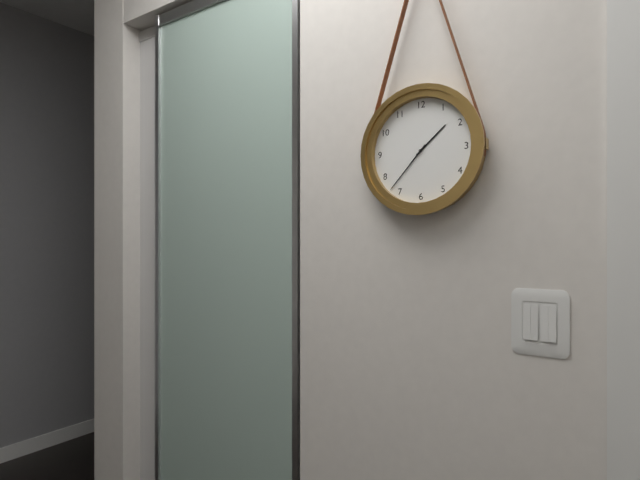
1 h 37 min
